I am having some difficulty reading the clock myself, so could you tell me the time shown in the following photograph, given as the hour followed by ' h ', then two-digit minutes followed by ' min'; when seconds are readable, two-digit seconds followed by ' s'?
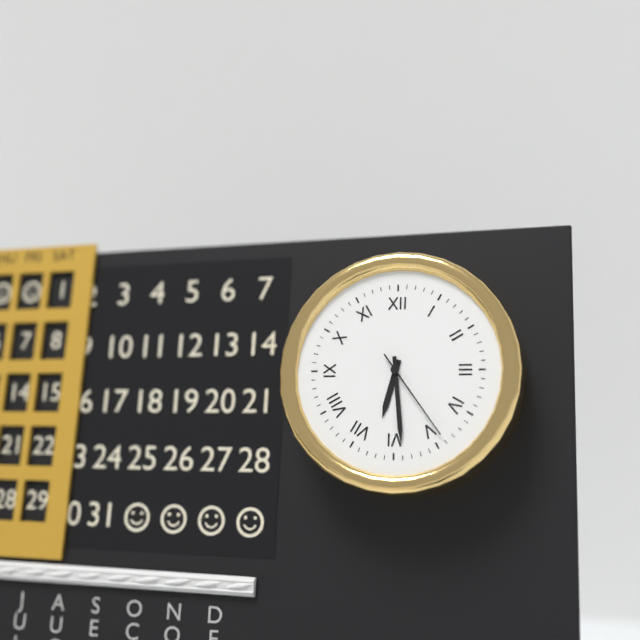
6 h 29 min 24 s
